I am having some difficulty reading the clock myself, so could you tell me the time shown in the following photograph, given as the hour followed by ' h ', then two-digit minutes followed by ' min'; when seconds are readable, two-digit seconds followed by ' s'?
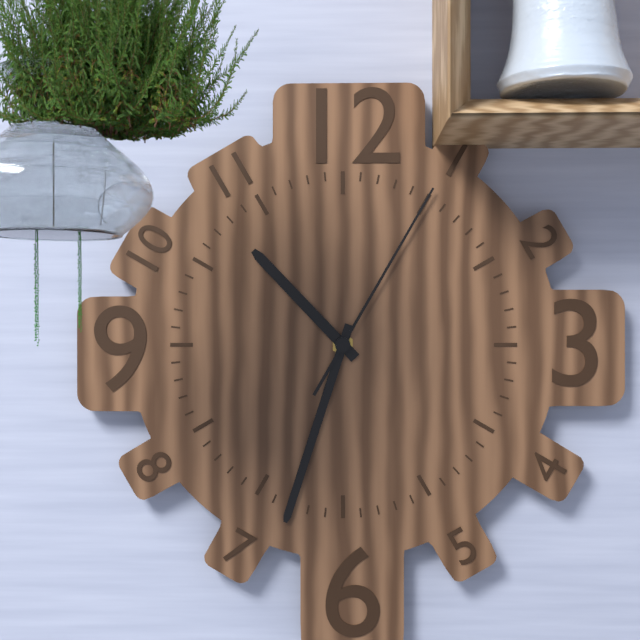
10 h 33 min 05 s
